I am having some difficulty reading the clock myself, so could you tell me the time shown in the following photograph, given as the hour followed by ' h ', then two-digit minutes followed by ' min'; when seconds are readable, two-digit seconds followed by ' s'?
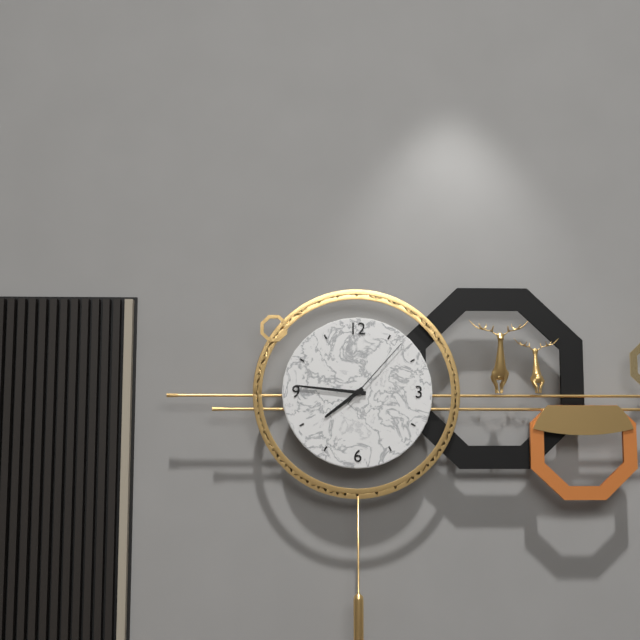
7 h 46 min 07 s
